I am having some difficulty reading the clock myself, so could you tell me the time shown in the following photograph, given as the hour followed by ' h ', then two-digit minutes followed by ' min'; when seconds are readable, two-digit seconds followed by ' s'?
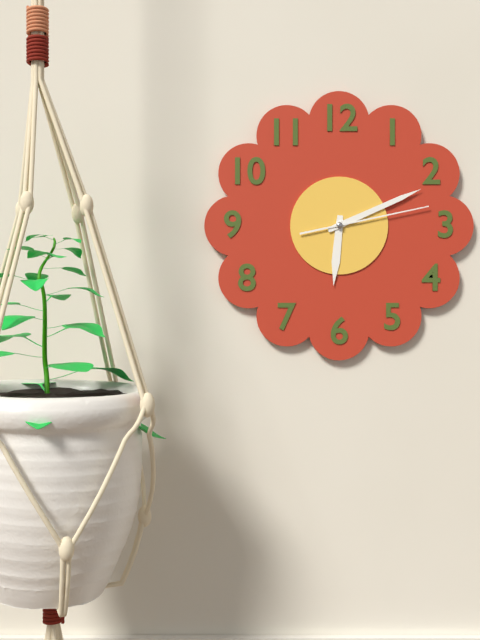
6 h 11 min 13 s
